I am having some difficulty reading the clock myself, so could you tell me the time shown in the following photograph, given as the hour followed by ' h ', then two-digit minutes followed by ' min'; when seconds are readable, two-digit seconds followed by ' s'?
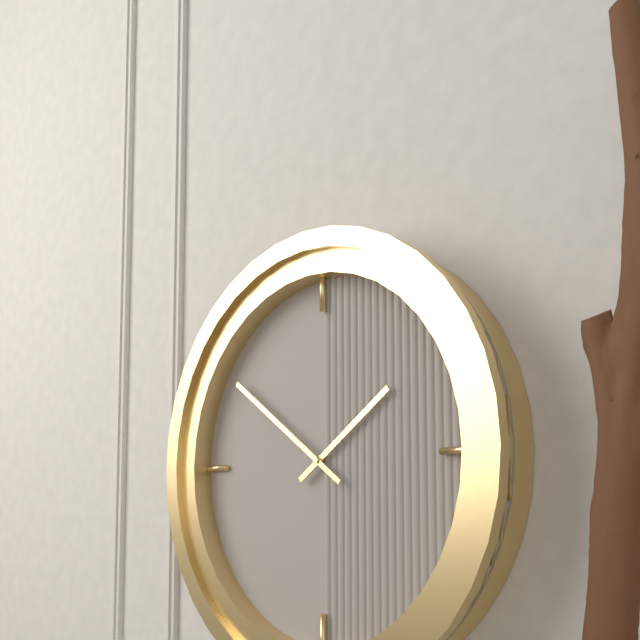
1 h 51 min
